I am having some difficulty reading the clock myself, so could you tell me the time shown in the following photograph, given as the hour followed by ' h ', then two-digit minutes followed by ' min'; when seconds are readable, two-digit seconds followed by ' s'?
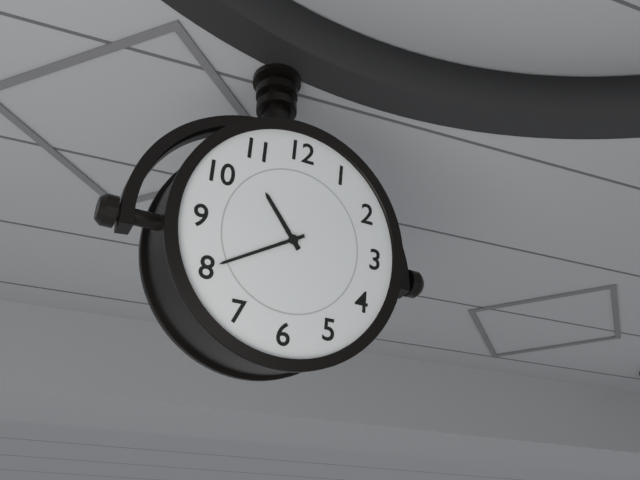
10 h 40 min
